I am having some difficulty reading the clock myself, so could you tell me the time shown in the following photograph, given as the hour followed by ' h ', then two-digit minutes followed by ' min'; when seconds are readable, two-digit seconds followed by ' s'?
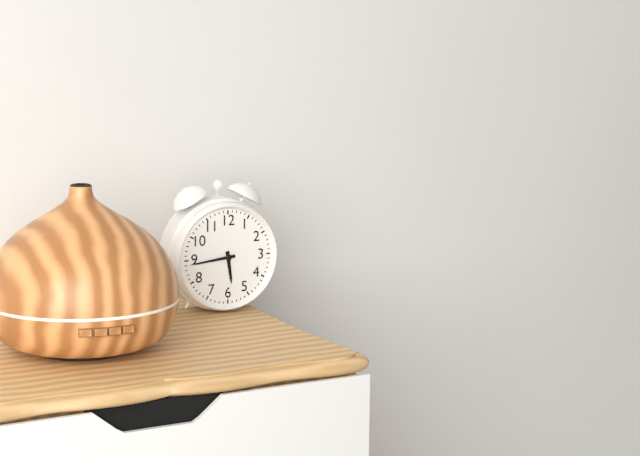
5 h 44 min
